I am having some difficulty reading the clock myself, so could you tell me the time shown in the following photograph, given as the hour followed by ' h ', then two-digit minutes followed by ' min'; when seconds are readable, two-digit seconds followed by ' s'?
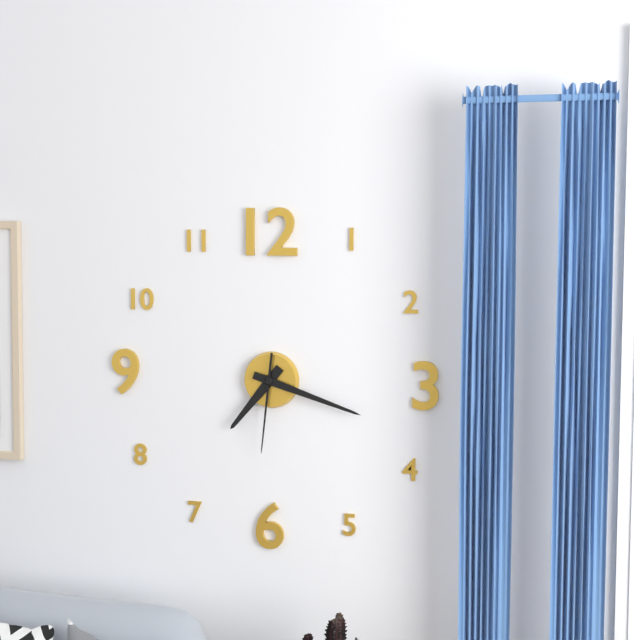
7 h 18 min 31 s
